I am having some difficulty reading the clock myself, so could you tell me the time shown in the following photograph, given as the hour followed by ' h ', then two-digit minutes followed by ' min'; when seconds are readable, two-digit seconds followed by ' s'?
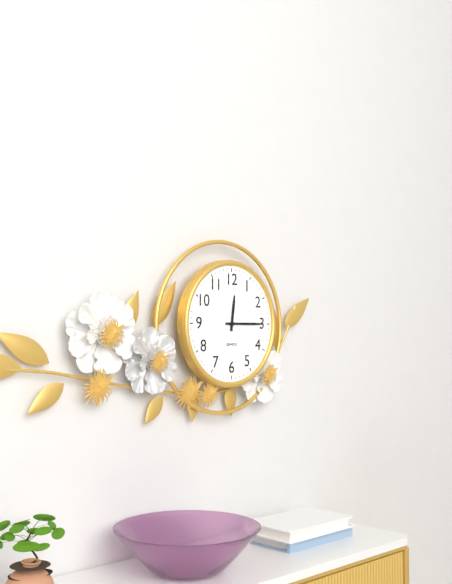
12 h 15 min
